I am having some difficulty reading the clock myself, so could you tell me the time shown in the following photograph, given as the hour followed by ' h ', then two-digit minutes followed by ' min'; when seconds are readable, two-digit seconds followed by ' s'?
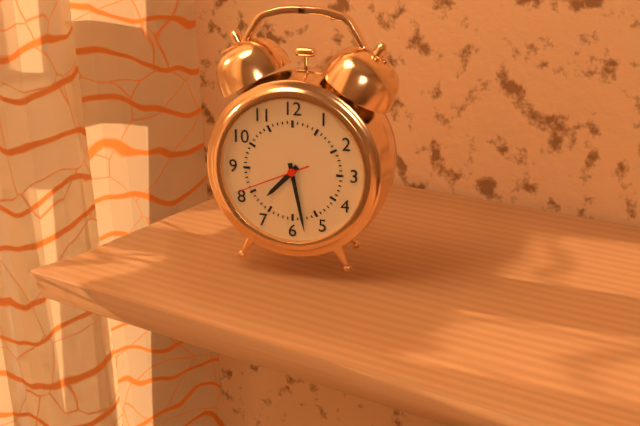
7 h 28 min 41 s
